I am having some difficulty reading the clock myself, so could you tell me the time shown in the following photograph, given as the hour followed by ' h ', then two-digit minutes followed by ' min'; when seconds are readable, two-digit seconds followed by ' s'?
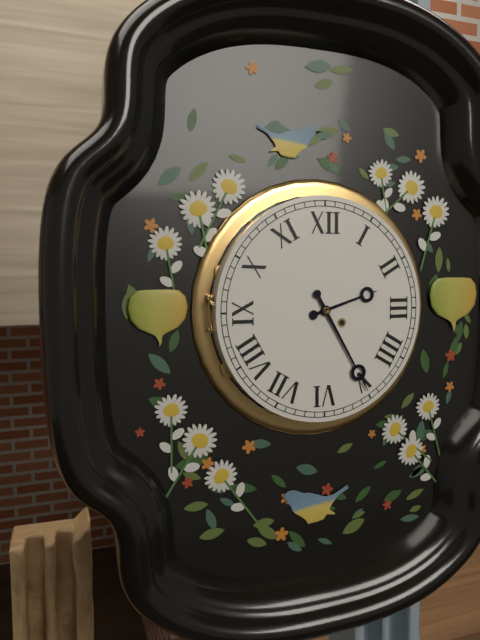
2 h 25 min
